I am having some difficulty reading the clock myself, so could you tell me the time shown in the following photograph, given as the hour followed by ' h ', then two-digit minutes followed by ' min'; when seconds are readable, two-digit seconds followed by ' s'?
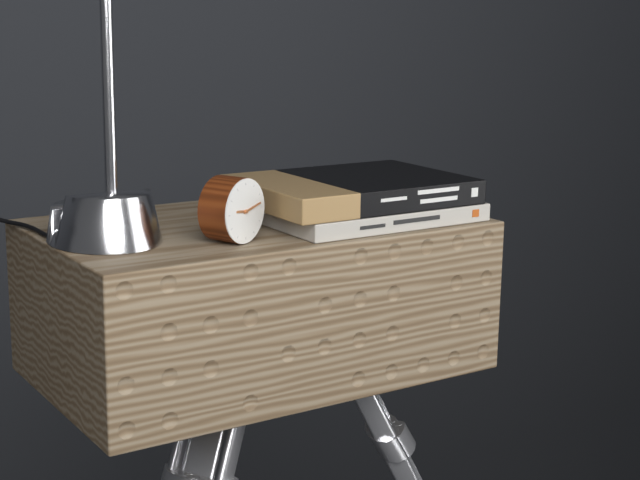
9 h 13 min
